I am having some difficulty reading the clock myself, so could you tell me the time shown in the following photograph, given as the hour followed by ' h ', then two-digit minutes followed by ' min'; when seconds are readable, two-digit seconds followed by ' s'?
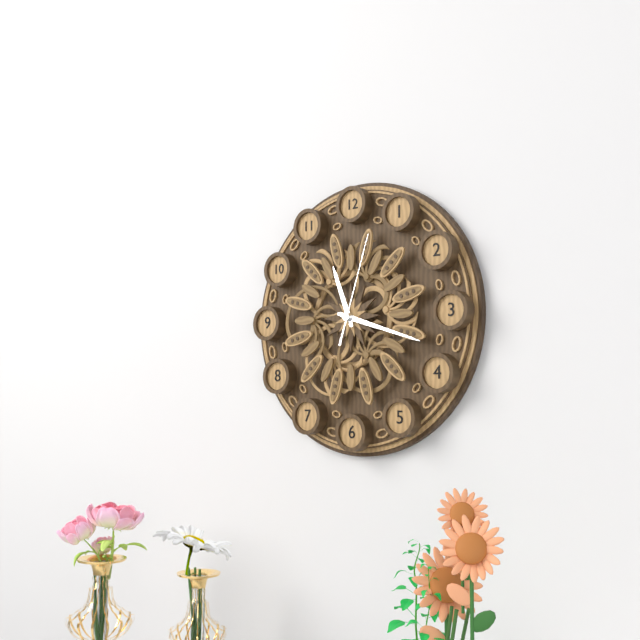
11 h 18 min 03 s
